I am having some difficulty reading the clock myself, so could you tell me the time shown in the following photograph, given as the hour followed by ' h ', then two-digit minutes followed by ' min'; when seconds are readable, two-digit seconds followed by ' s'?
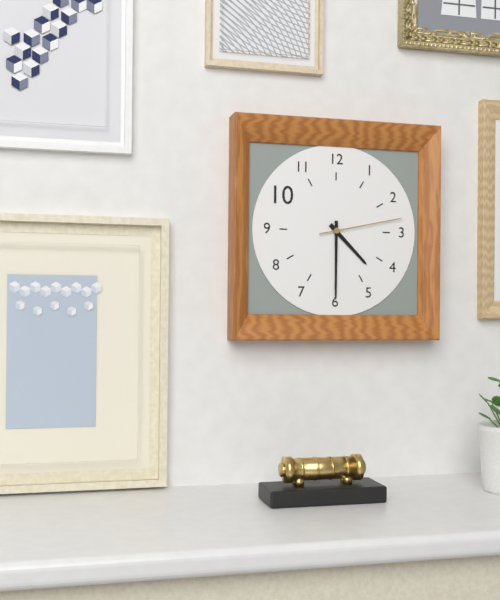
4 h 30 min 13 s
